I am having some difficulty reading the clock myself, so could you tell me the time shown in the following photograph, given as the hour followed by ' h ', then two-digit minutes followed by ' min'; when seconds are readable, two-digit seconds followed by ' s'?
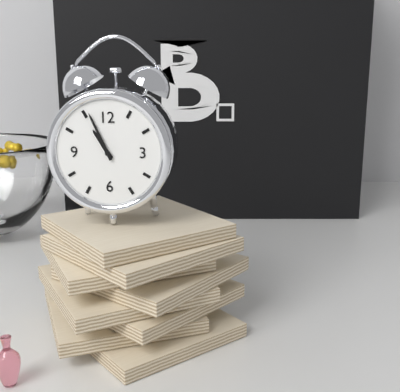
10 h 56 min
